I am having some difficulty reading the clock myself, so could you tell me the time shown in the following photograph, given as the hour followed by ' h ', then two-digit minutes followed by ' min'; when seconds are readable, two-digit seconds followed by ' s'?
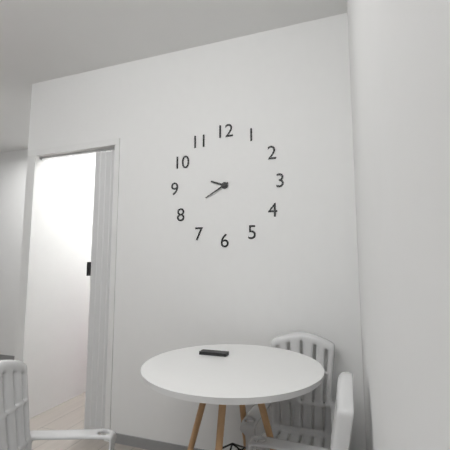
9 h 40 min
